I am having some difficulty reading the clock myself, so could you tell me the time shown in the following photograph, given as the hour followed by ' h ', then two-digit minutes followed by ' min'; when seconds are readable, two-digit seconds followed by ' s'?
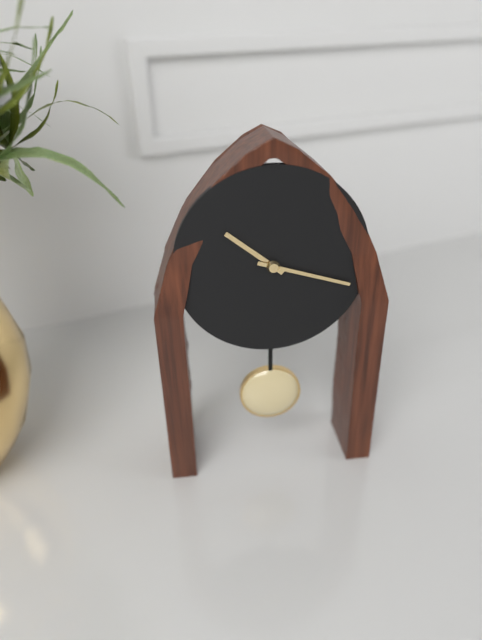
10 h 18 min
